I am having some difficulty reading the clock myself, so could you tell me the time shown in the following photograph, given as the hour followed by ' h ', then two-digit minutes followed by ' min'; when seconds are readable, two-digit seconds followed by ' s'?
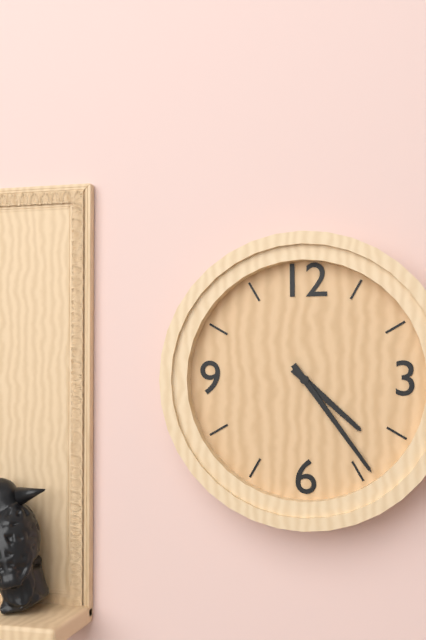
4 h 24 min
